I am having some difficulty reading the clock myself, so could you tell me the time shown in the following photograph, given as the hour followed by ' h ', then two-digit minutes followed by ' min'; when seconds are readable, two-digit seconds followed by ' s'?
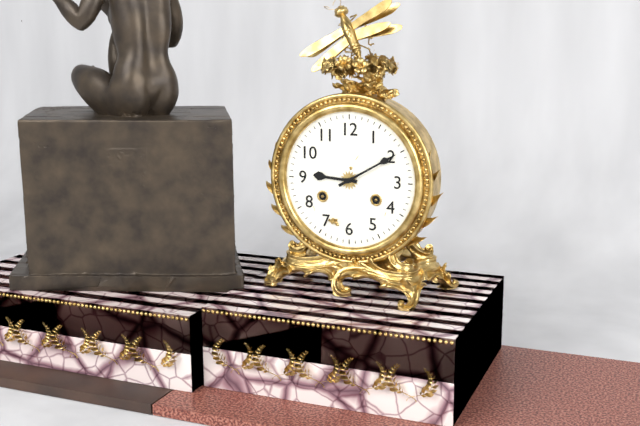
9 h 10 min
